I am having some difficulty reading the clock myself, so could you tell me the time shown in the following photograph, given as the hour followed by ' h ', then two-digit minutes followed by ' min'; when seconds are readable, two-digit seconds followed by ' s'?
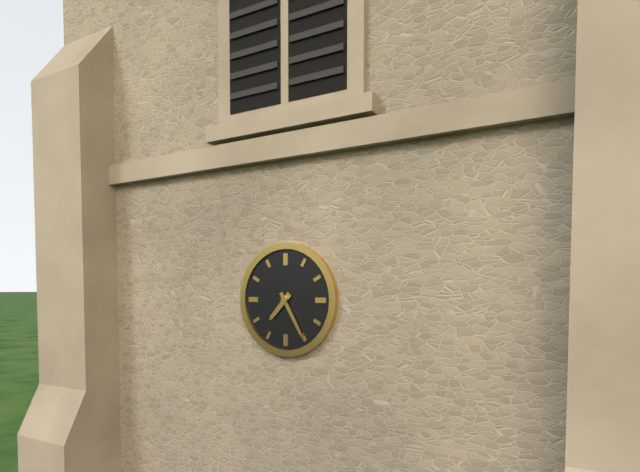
7 h 25 min
